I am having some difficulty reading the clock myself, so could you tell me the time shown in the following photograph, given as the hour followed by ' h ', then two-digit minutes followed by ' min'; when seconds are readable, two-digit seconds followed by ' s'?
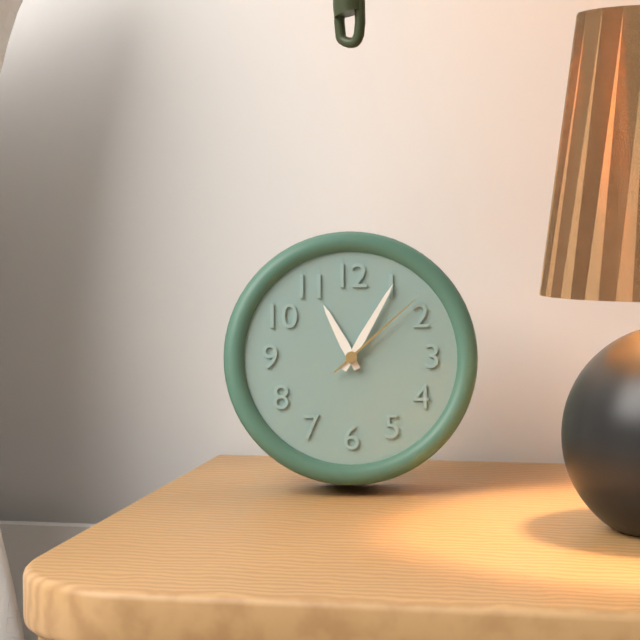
11 h 05 min 08 s
